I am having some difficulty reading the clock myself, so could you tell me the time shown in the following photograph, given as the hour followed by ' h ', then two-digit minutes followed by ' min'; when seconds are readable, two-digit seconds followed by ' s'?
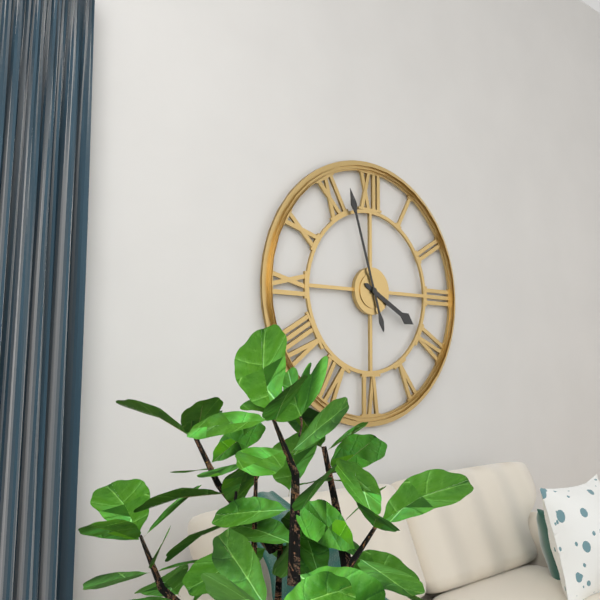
3 h 57 min
